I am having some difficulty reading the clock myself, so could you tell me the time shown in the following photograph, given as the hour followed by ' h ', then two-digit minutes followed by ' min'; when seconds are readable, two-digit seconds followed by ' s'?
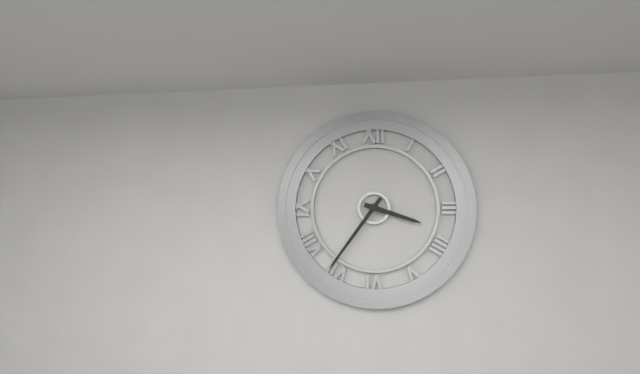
3 h 36 min
